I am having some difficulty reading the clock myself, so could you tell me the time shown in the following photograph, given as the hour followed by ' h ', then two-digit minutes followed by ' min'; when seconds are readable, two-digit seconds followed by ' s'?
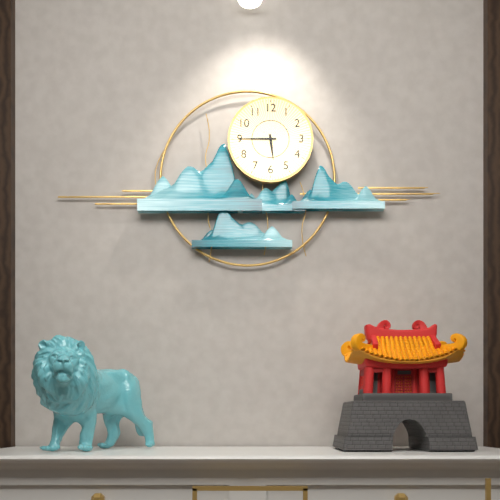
5 h 45 min
